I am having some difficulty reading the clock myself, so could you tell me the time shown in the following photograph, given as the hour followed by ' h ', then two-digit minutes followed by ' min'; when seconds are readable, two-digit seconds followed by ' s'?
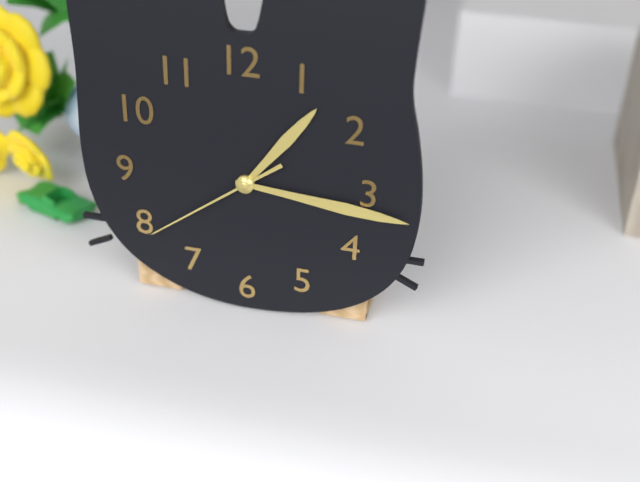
1 h 16 min 39 s
